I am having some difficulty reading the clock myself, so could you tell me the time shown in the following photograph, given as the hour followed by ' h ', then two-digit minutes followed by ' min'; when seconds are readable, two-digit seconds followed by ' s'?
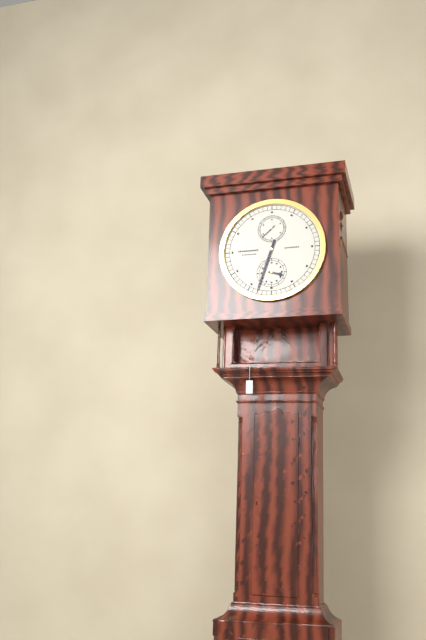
3 h 33 min
